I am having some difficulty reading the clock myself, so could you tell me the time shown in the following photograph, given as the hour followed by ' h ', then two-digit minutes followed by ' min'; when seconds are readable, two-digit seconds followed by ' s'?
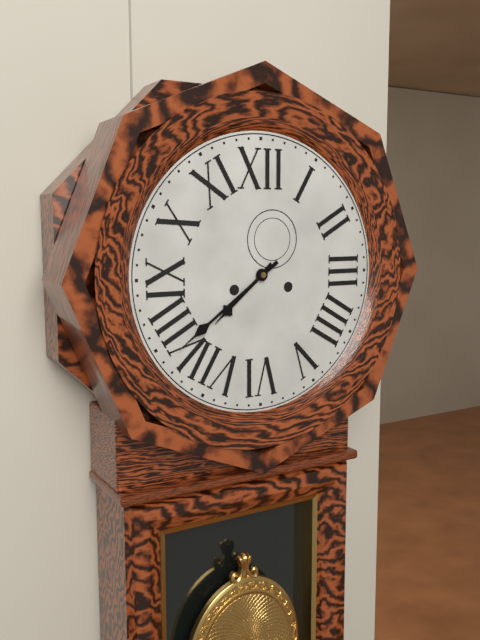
7 h 39 min
